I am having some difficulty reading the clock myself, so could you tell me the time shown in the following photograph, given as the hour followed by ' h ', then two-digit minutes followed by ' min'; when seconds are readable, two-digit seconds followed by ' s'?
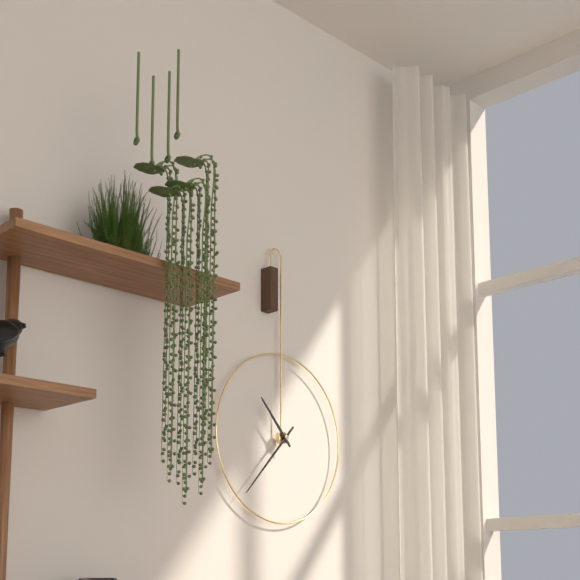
10 h 37 min
